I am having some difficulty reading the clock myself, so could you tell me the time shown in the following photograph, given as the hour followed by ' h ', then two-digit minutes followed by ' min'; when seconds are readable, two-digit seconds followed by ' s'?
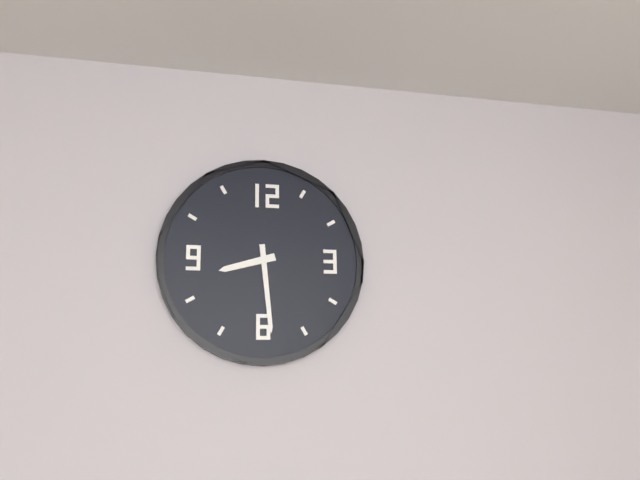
8 h 29 min
